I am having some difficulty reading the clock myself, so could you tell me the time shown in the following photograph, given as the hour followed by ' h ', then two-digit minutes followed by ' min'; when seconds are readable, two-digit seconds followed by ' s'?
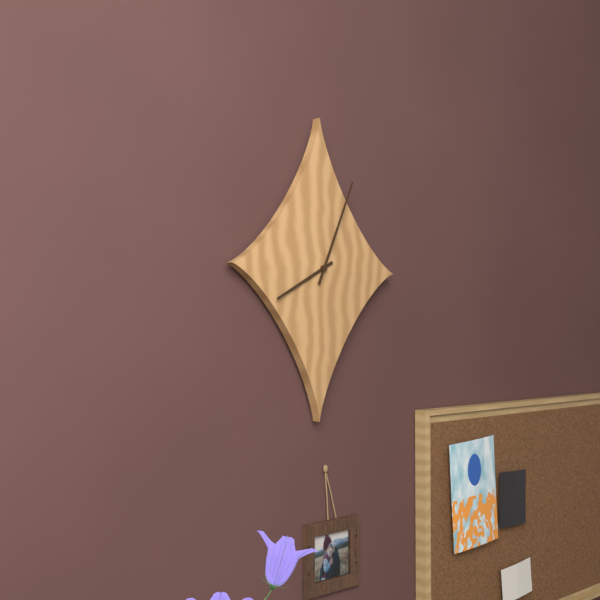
8 h 04 min
